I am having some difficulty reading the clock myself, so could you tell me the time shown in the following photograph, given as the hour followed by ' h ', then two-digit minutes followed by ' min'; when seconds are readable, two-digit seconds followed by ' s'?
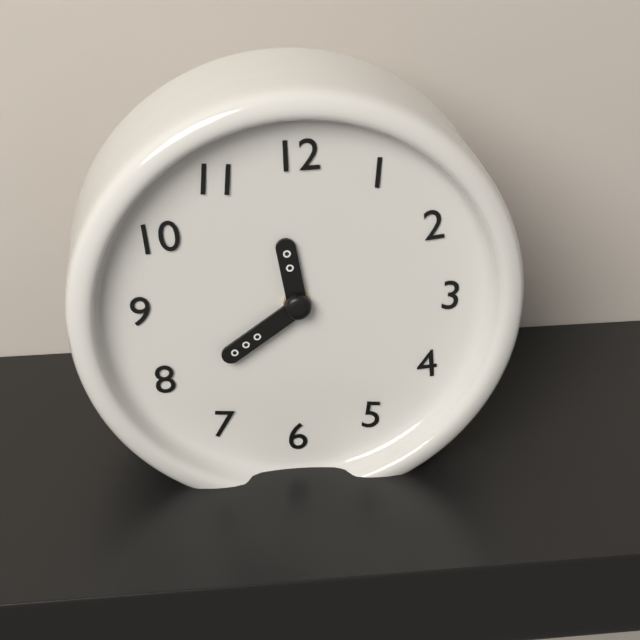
11 h 39 min
